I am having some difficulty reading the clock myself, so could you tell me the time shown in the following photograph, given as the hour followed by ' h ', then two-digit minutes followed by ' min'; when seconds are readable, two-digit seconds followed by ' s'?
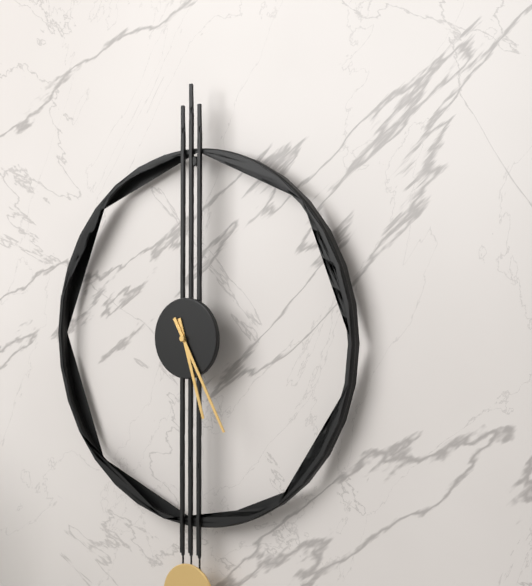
5 h 25 min
